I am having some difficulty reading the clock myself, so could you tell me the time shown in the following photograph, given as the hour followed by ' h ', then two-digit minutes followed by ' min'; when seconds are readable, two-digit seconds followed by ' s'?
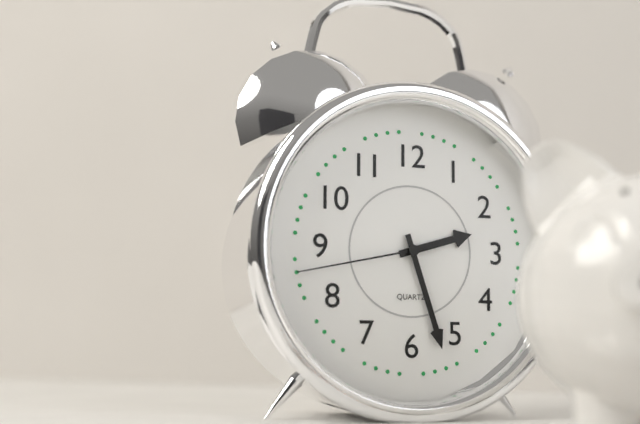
2 h 27 min 43 s
